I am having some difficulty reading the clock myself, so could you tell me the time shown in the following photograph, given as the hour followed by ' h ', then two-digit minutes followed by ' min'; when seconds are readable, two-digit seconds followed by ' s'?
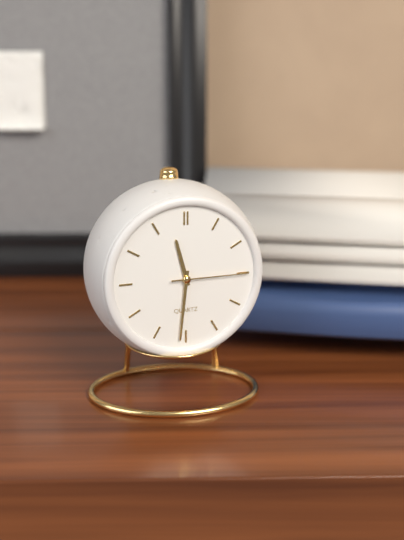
11 h 31 min 15 s
